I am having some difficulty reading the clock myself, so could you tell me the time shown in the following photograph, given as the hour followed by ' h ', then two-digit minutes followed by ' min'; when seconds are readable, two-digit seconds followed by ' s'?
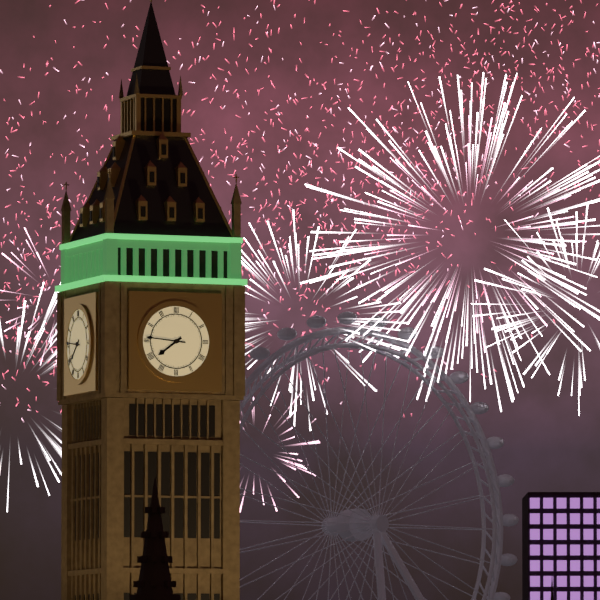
7 h 46 min
